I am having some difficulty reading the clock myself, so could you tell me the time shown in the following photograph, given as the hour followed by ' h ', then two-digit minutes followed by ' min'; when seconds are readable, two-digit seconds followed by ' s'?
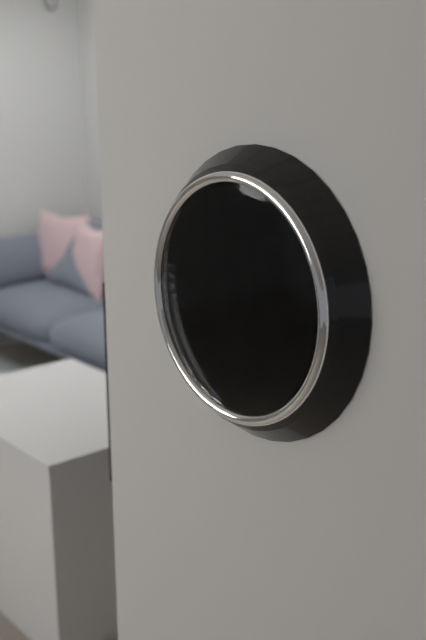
7 h 54 min
